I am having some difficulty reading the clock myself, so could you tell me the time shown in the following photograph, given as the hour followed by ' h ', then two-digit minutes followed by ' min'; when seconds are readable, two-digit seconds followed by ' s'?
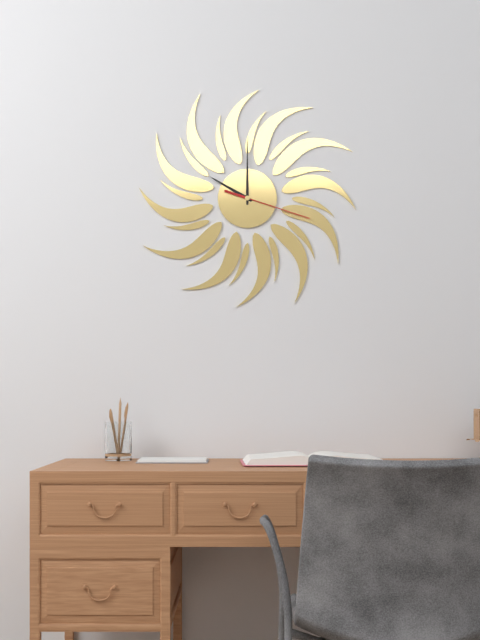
10 h 00 min 18 s
